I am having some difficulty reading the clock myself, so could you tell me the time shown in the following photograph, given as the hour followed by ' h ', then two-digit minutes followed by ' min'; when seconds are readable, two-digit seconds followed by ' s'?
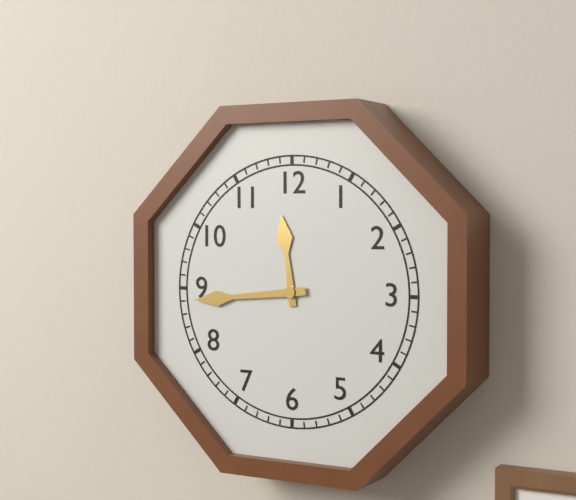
11 h 44 min
